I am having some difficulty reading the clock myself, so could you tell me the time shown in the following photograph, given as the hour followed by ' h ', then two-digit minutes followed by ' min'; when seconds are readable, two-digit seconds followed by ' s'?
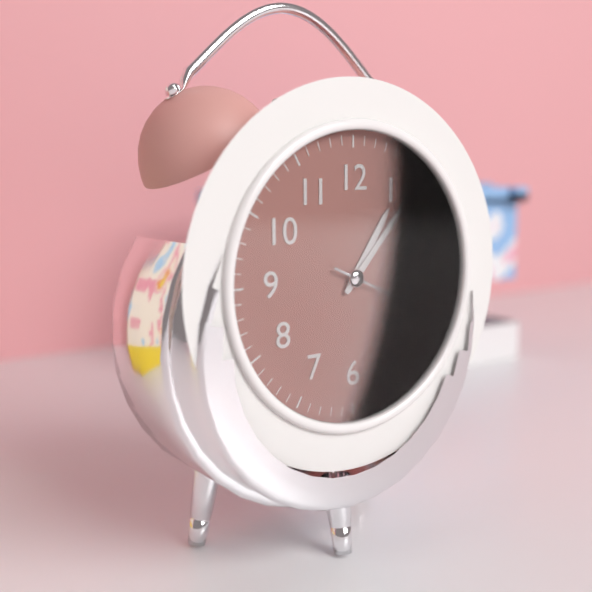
1 h 07 min 19 s
